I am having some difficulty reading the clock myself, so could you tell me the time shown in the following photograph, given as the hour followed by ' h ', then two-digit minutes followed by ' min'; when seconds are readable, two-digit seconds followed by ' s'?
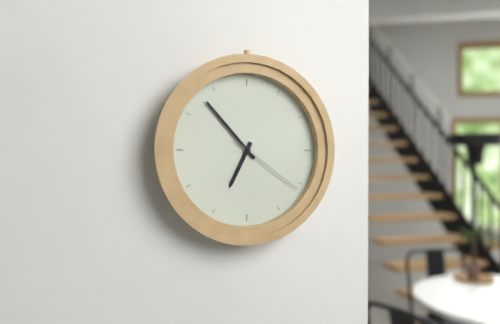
6 h 53 min 21 s
